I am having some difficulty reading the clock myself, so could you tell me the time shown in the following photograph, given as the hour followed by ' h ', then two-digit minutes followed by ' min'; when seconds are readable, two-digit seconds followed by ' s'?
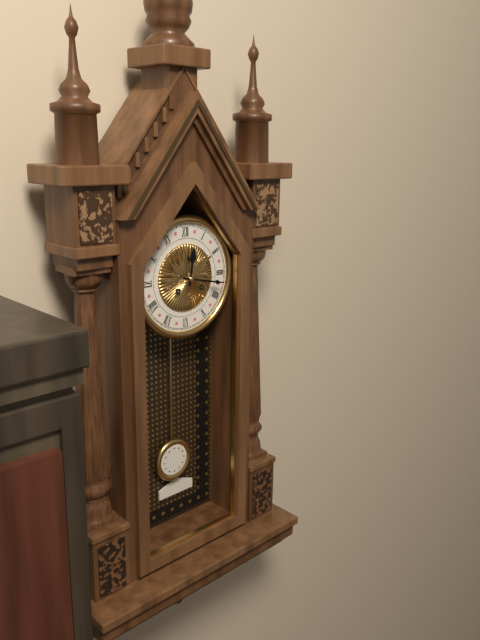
12 h 17 min
